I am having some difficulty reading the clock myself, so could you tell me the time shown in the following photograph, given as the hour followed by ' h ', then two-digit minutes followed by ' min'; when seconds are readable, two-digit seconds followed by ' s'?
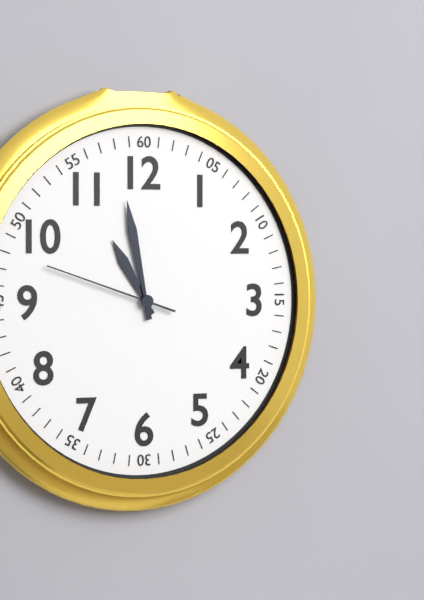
10 h 58 min 48 s
